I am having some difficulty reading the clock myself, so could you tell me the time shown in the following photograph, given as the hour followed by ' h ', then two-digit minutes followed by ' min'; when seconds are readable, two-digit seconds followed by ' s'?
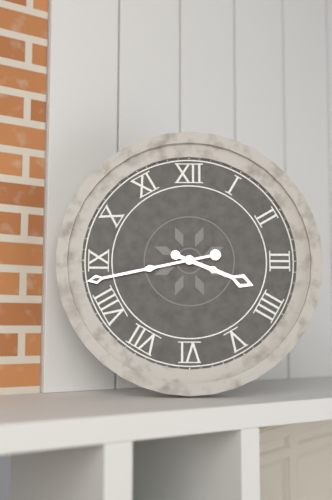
3 h 43 min
